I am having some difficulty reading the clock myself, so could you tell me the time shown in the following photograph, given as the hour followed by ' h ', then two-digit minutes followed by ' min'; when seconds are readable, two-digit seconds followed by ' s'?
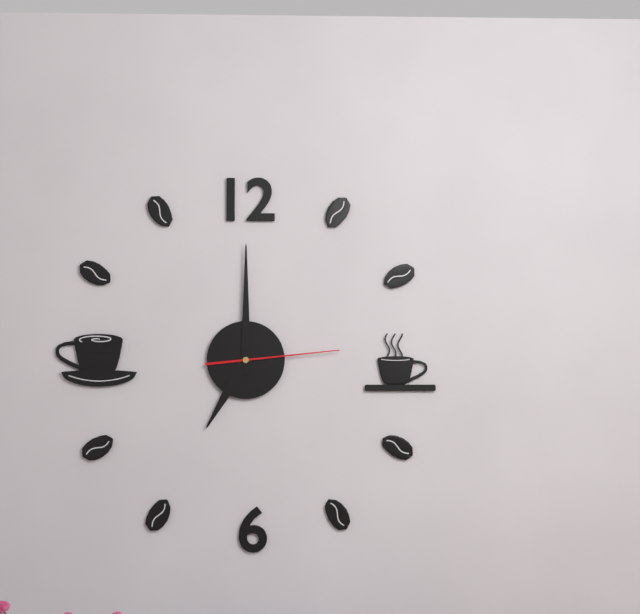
7 h 00 min 14 s
